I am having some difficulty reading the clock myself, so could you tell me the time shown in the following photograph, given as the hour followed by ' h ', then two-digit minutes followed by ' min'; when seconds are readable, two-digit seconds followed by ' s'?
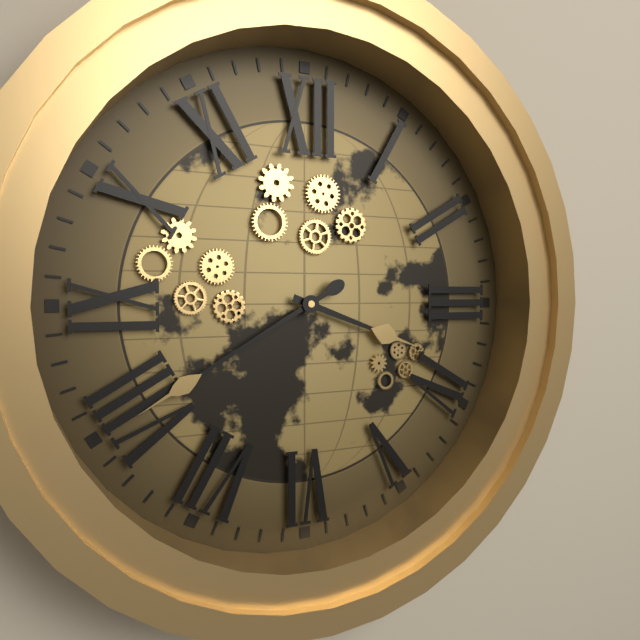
3 h 40 min
